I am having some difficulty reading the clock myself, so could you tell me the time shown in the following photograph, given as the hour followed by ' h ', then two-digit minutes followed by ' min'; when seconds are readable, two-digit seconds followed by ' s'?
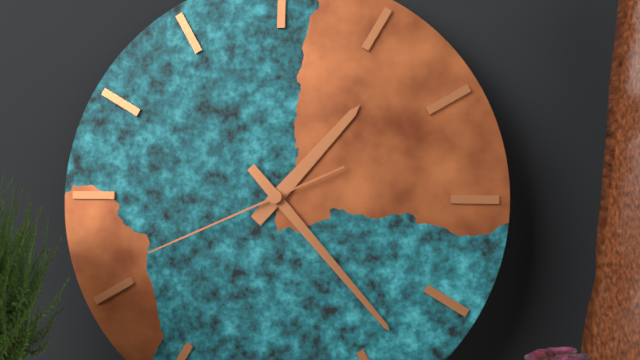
1 h 23 min 41 s
